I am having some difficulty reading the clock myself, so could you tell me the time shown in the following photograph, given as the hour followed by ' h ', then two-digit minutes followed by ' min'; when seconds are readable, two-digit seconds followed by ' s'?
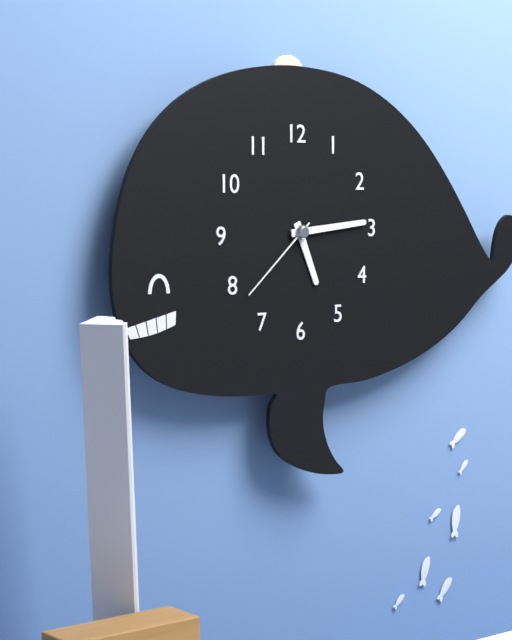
5 h 14 min 38 s
